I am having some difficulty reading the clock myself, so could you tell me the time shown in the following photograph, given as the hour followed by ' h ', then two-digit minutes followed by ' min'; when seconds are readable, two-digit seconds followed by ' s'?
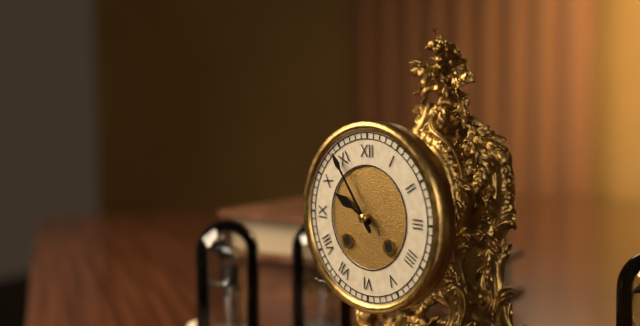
9 h 54 min
